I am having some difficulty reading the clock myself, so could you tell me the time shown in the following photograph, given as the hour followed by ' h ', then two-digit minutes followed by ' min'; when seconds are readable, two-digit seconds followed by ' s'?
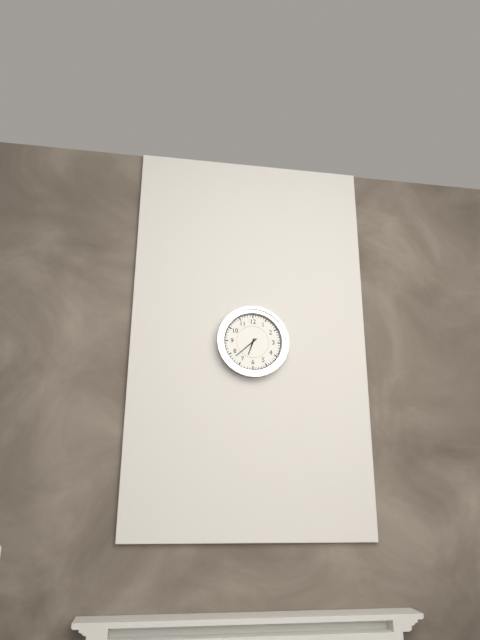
6 h 38 min
